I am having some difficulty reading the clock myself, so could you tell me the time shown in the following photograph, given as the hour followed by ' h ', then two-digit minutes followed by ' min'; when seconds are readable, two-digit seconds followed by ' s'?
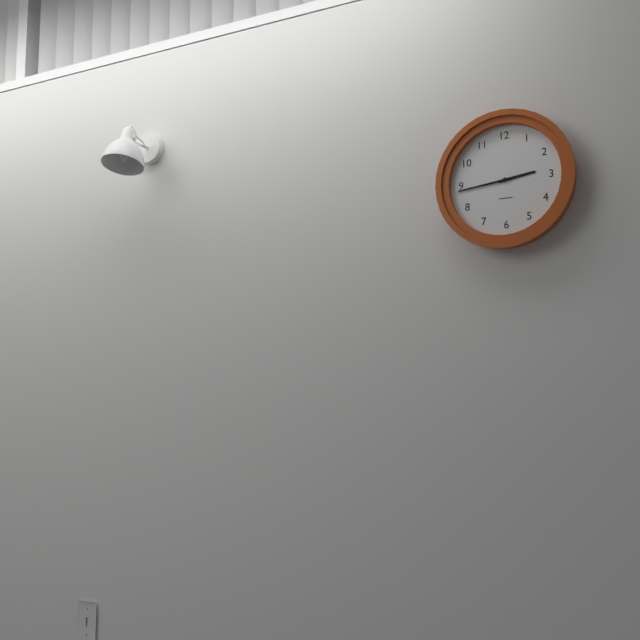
2 h 44 min
